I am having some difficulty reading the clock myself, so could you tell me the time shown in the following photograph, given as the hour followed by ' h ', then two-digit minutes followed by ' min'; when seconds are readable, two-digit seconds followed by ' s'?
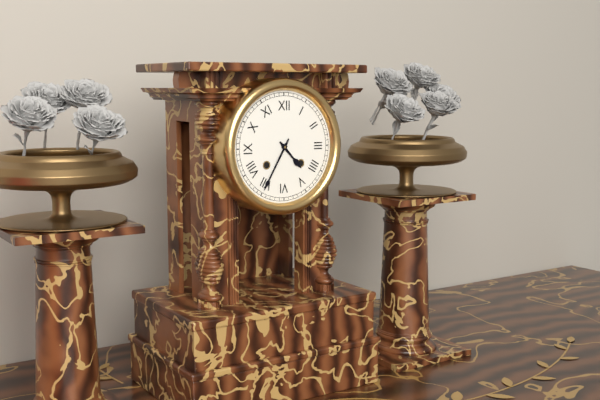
4 h 35 min
